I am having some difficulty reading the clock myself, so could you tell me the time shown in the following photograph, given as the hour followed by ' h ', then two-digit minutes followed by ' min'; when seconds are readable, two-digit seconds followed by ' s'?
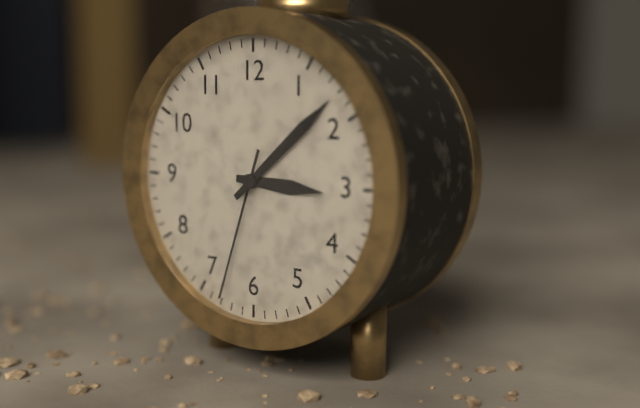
3 h 08 min 33 s
